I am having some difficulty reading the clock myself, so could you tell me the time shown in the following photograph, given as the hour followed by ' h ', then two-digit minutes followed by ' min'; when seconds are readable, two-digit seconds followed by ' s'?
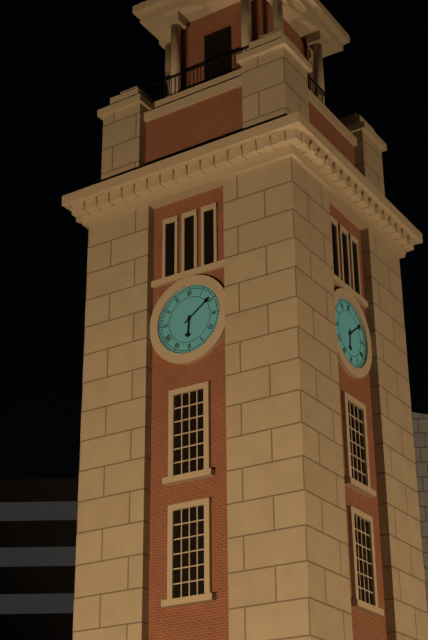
6 h 09 min
